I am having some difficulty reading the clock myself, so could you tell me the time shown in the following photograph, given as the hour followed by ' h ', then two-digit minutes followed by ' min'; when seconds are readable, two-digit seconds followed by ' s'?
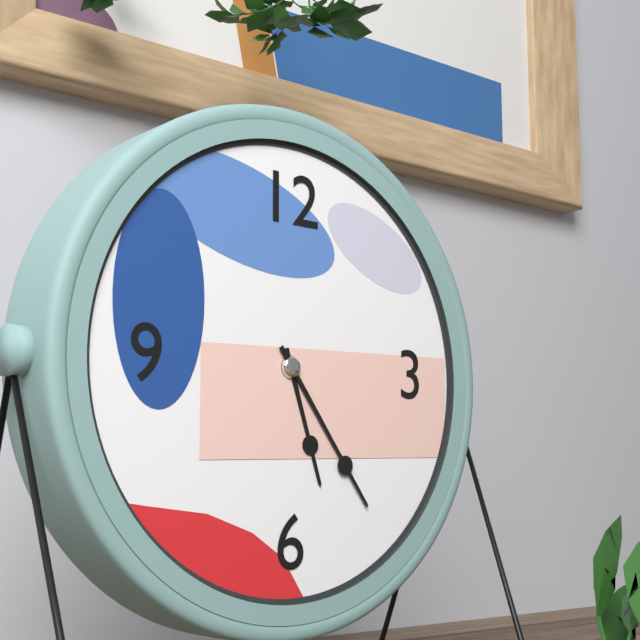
5 h 24 min
